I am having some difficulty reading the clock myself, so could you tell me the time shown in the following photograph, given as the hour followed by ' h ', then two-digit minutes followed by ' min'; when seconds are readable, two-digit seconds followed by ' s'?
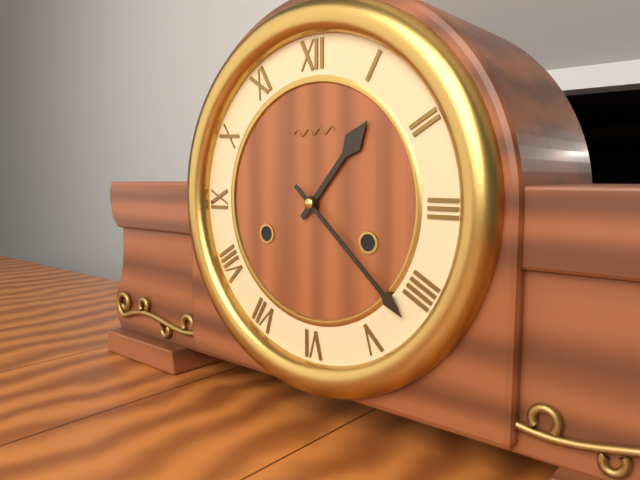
1 h 22 min
